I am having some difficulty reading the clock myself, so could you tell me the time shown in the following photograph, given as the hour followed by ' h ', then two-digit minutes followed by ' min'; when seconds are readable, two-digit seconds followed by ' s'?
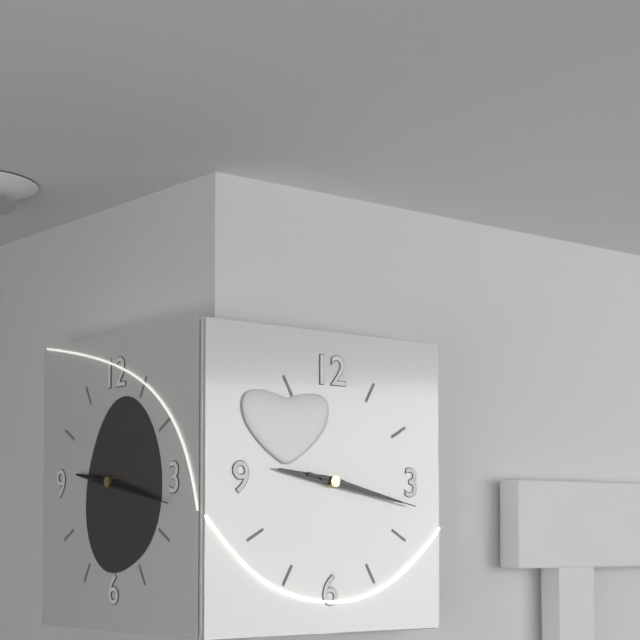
9 h 17 min 17 s
